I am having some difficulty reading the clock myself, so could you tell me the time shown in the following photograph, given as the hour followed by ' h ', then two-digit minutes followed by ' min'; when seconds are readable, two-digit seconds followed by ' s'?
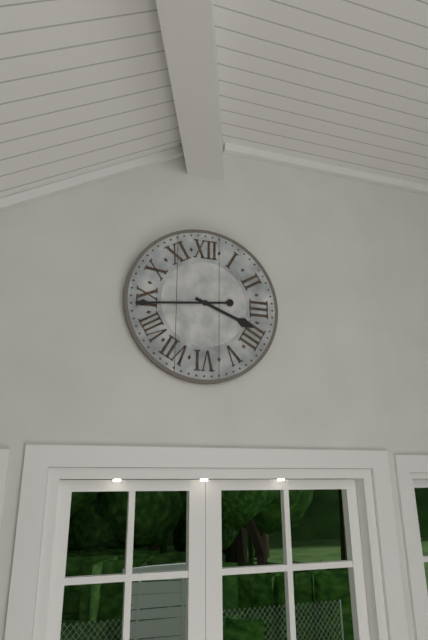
3 h 44 min
